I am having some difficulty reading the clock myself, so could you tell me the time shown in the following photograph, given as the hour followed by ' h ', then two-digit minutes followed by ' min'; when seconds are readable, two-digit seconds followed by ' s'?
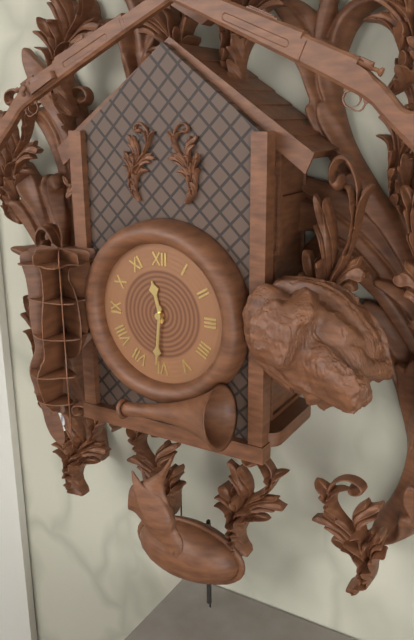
11 h 31 min
